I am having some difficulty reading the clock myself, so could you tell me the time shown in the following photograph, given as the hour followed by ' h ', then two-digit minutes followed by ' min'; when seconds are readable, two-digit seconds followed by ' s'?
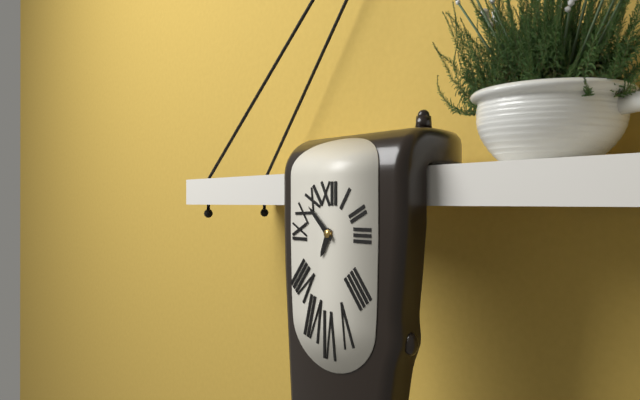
6 h 52 min
